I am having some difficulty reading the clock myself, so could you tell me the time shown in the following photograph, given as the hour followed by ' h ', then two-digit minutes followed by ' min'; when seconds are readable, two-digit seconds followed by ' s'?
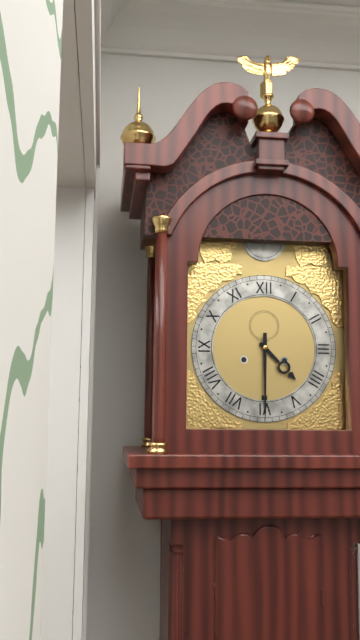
4 h 30 min
